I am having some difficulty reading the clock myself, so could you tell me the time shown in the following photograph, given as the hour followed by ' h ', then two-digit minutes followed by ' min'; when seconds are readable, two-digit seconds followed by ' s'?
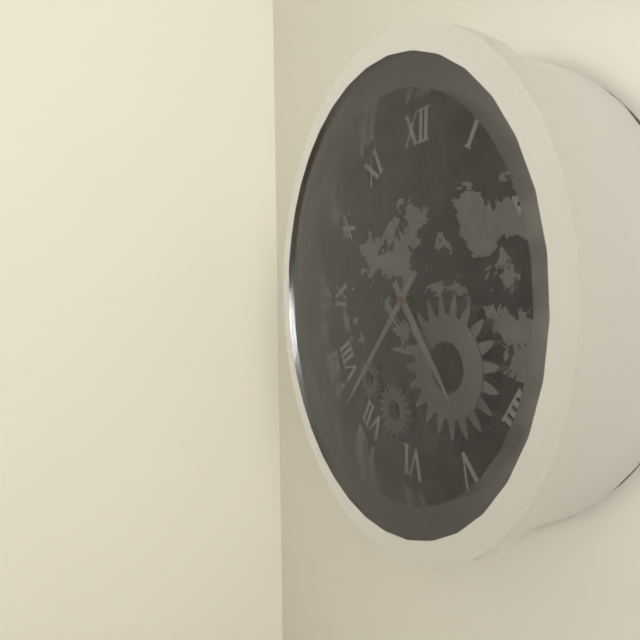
4 h 37 min
